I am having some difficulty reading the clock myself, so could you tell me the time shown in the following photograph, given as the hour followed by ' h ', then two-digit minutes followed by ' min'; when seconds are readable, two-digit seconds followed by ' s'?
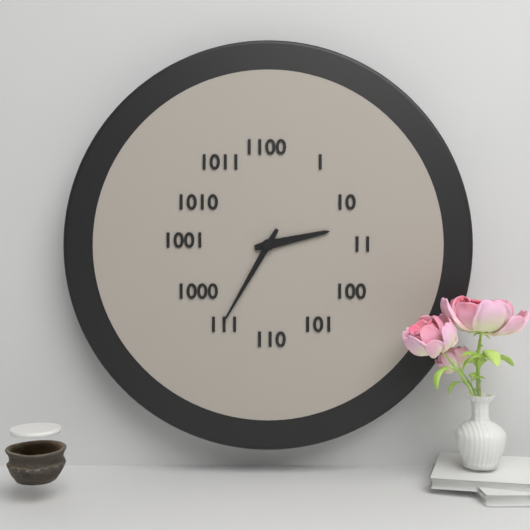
2 h 35 min
